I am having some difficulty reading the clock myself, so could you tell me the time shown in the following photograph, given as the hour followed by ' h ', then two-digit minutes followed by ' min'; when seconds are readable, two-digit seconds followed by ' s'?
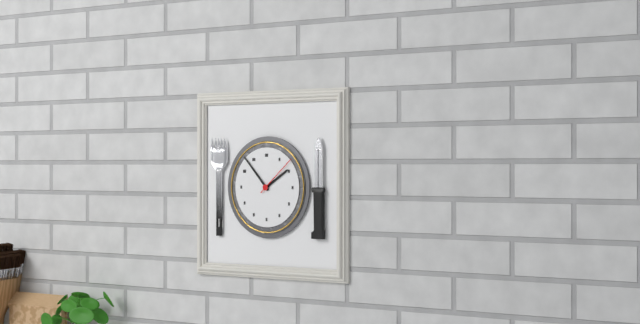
1 h 53 min
